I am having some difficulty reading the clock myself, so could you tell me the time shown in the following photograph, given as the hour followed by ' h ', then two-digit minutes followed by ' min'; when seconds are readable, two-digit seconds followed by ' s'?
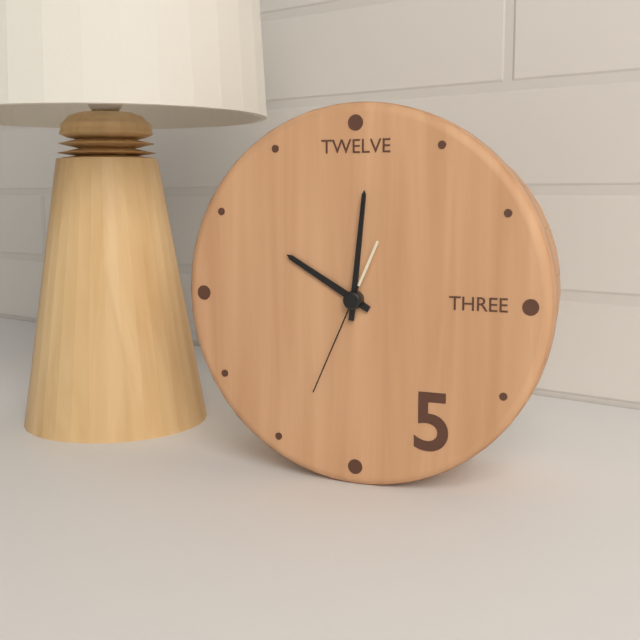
10 h 01 min 34 s
